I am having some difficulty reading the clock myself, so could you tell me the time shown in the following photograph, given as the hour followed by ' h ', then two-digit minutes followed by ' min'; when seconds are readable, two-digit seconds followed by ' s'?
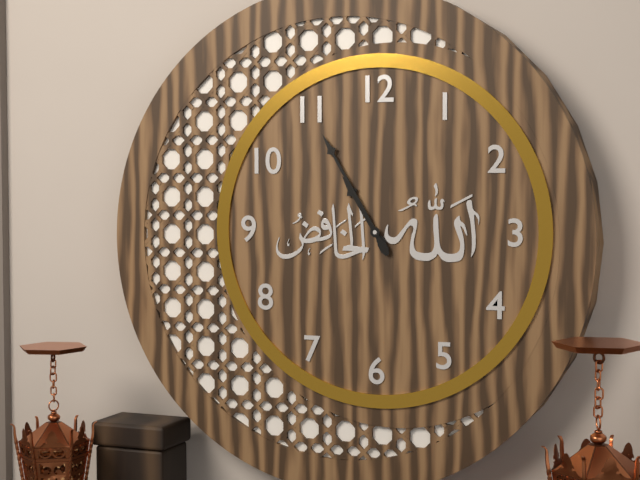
10 h 55 min
